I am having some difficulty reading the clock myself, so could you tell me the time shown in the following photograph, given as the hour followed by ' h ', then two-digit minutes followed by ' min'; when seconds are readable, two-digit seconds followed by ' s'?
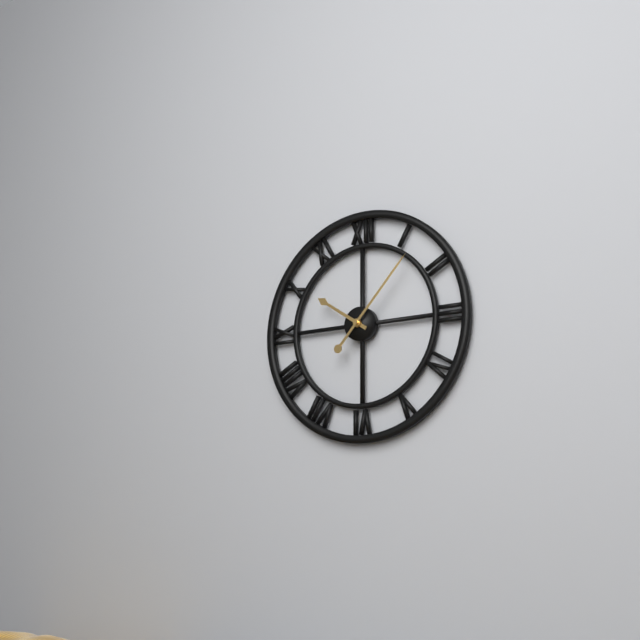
10 h 07 min
